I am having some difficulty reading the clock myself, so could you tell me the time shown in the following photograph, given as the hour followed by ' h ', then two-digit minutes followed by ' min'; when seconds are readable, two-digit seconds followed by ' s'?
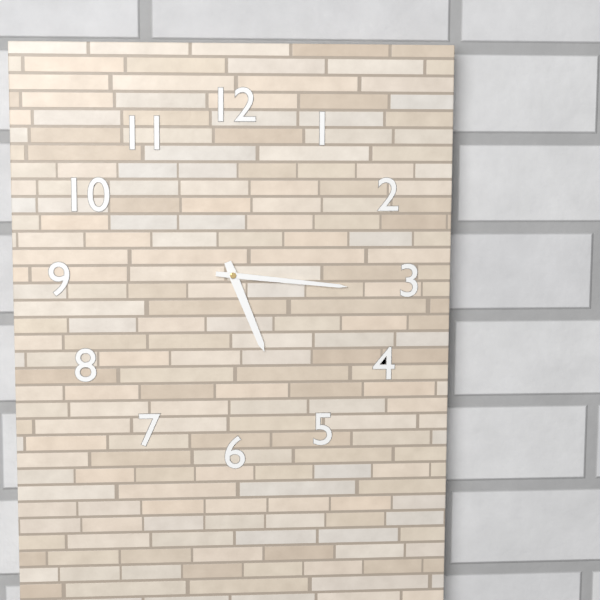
5 h 16 min
